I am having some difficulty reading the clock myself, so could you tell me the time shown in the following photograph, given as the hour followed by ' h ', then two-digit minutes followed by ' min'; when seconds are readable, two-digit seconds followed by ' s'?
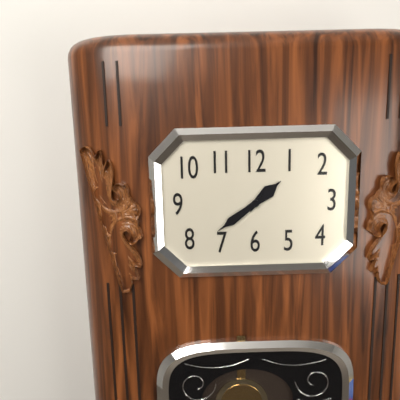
1 h 39 min
